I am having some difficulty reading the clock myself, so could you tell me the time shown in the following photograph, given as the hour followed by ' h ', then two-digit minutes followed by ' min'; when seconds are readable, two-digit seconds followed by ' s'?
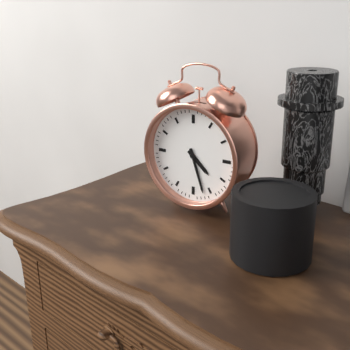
4 h 27 min
